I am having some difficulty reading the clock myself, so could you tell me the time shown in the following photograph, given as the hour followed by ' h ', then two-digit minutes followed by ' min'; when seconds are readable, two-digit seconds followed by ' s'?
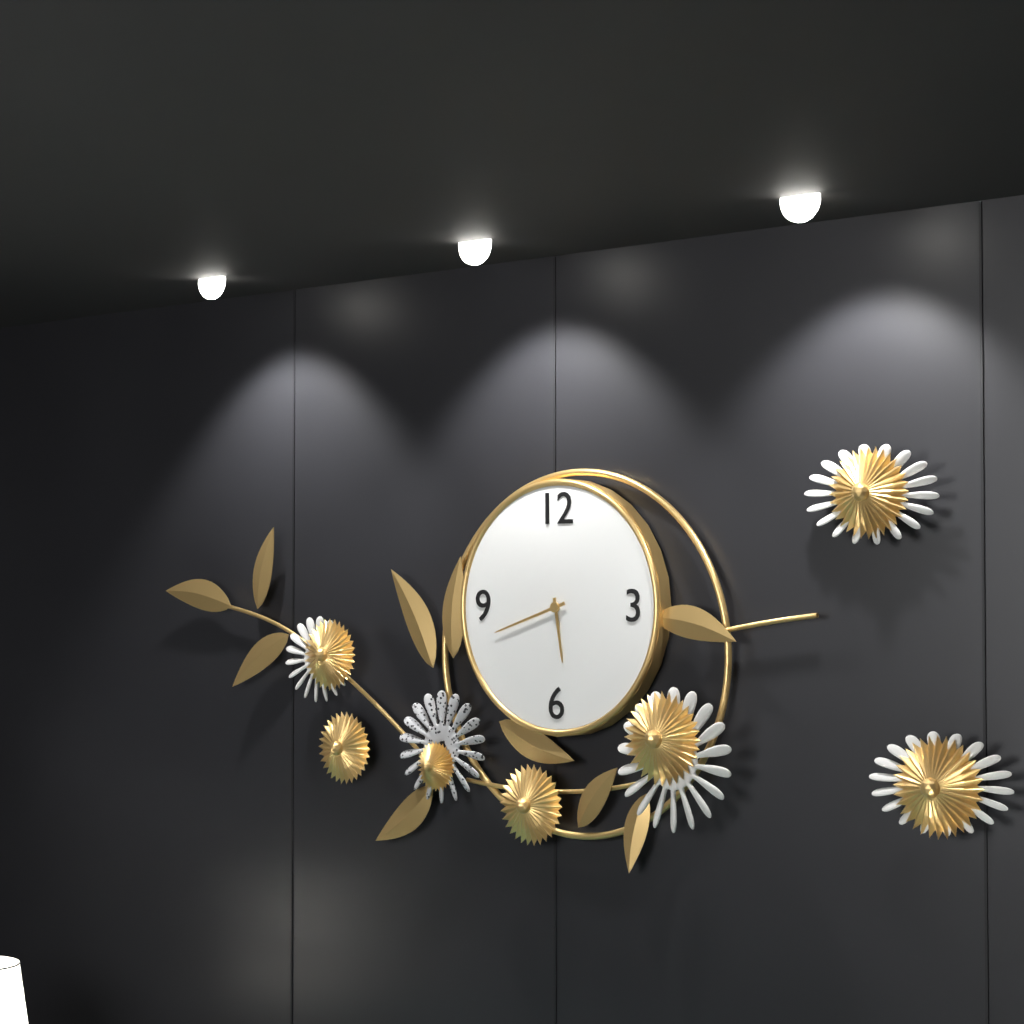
5 h 42 min
